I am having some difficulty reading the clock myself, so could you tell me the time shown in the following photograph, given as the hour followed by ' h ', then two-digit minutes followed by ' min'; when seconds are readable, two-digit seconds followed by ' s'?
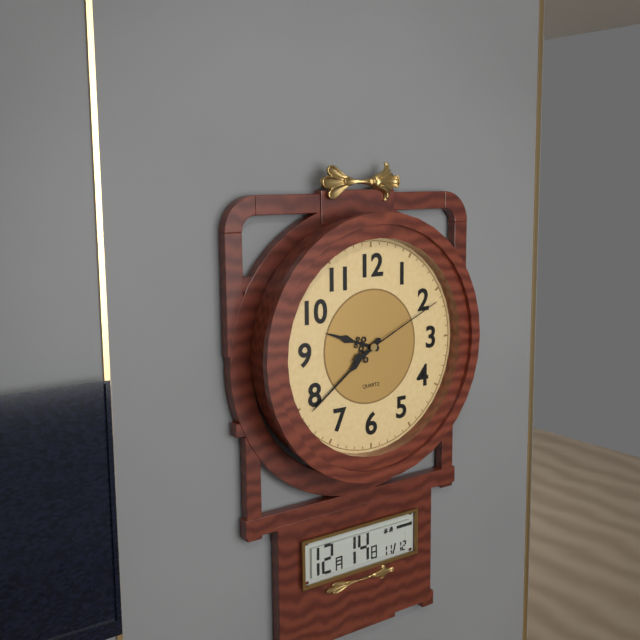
9 h 39 min 11 s
